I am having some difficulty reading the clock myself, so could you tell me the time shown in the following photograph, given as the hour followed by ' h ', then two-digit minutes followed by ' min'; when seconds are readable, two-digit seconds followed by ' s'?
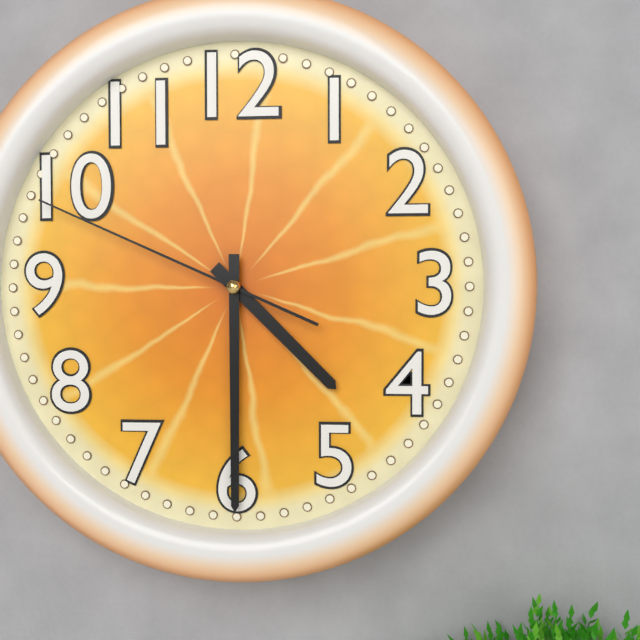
4 h 30 min 49 s
